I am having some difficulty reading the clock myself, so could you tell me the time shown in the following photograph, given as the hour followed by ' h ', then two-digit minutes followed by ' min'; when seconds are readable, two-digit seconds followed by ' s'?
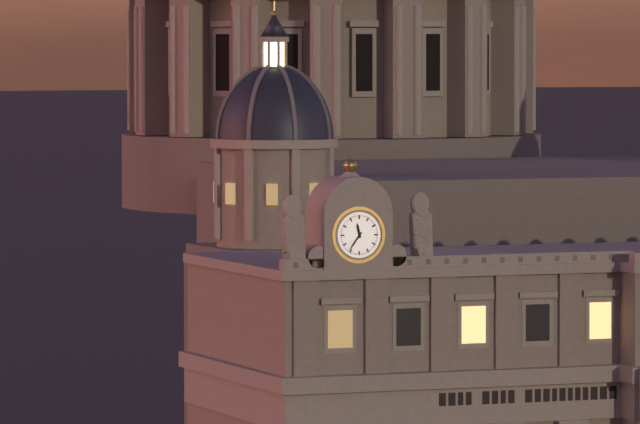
11 h 36 min
